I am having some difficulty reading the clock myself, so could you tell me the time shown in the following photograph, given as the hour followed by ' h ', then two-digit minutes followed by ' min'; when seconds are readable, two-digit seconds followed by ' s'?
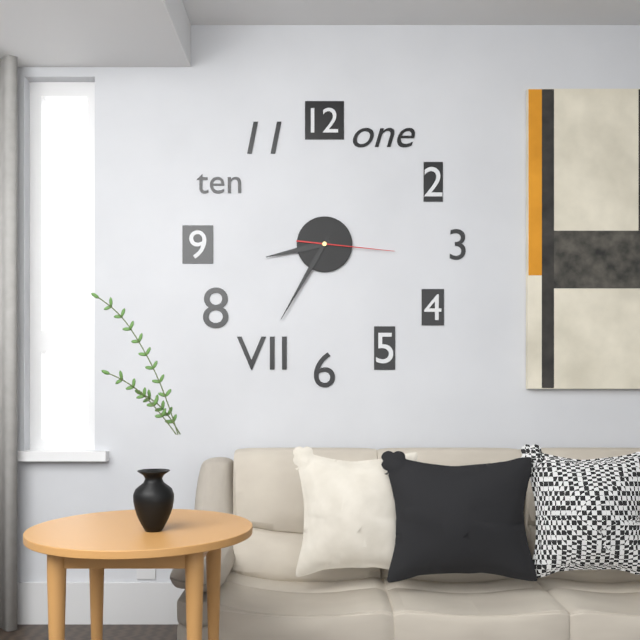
8 h 35 min 16 s
